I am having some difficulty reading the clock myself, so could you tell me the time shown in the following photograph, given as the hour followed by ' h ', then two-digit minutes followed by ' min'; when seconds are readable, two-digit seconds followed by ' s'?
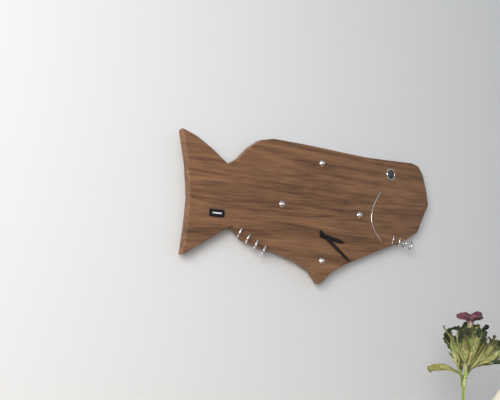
3 h 21 min
